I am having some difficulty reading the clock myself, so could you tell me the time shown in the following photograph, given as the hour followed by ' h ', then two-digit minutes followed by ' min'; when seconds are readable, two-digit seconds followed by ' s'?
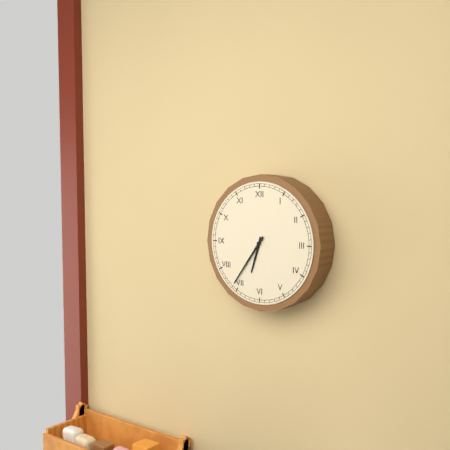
6 h 36 min
